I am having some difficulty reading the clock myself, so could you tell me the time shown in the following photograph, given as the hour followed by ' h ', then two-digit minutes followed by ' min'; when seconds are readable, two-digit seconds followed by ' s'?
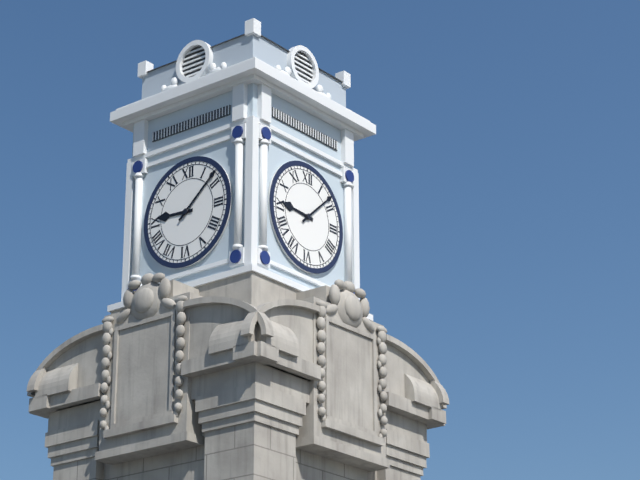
9 h 08 min
